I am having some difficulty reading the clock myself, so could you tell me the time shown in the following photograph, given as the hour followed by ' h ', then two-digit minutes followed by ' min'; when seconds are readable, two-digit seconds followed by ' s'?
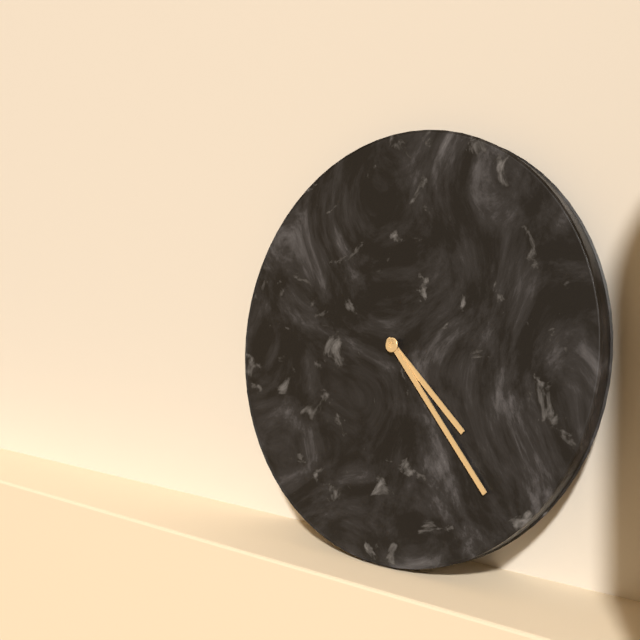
4 h 23 min
